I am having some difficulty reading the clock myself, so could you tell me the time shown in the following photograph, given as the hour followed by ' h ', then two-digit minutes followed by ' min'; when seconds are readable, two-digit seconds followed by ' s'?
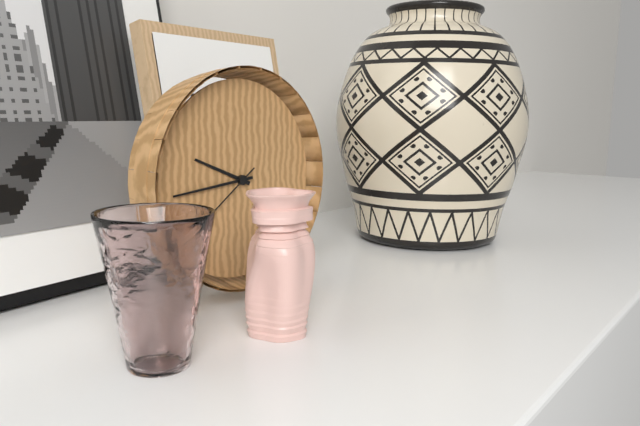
9 h 44 min 39 s
